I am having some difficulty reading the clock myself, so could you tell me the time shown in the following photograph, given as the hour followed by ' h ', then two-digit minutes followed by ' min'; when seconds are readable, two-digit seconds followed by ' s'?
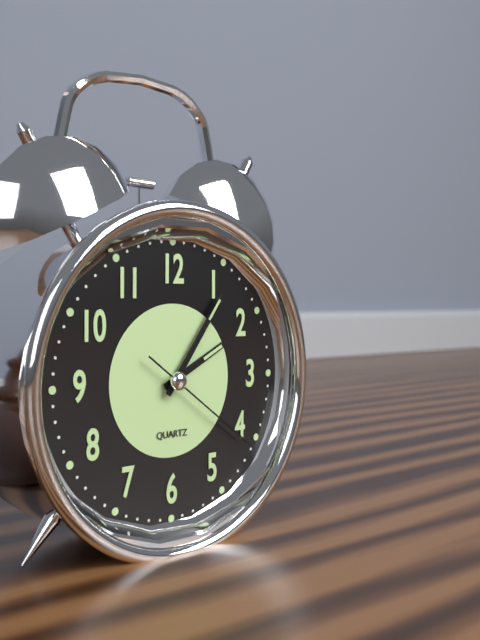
2 h 06 min 21 s
